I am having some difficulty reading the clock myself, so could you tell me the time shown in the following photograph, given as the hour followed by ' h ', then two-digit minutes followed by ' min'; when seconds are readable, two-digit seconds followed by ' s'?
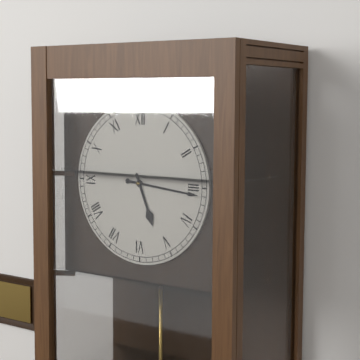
5 h 16 min
